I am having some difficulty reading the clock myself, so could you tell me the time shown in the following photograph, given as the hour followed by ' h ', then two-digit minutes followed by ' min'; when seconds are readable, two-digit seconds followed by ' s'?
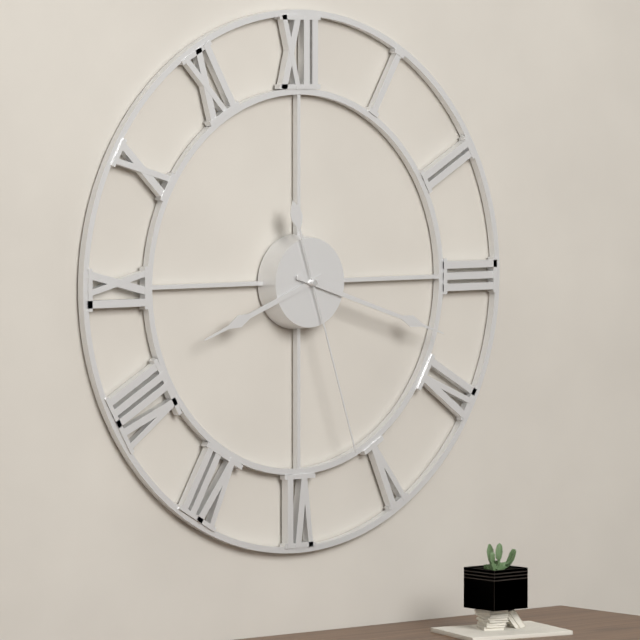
8 h 18 min 27 s
